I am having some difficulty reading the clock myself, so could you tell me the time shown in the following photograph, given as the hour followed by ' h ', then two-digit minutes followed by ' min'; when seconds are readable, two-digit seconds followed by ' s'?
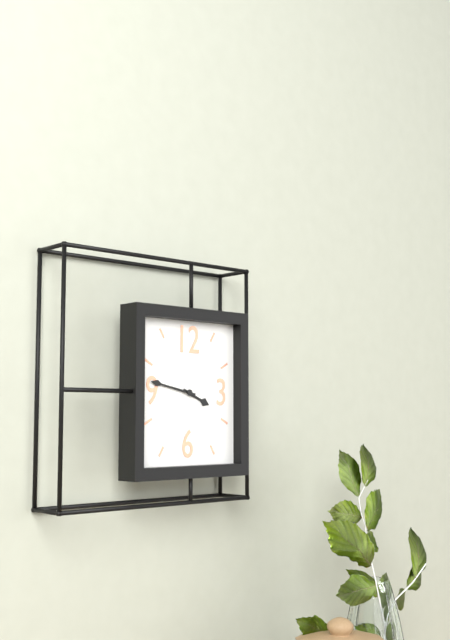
3 h 47 min
